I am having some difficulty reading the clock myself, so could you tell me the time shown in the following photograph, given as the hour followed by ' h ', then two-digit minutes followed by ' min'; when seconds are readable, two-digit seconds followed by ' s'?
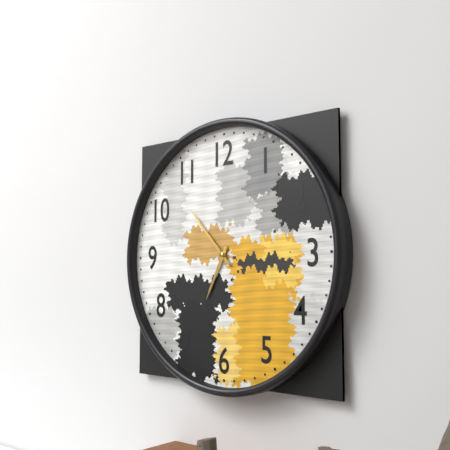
6 h 53 min
